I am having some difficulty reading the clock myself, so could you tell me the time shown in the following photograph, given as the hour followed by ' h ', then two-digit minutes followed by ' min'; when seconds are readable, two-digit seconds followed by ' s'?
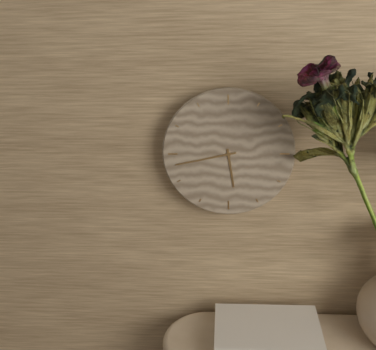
5 h 43 min
